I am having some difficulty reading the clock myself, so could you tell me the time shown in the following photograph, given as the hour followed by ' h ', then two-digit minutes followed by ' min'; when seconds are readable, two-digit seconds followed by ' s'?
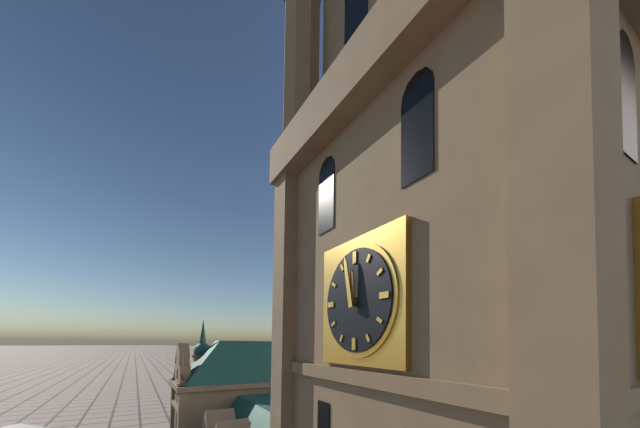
11 h 58 min
